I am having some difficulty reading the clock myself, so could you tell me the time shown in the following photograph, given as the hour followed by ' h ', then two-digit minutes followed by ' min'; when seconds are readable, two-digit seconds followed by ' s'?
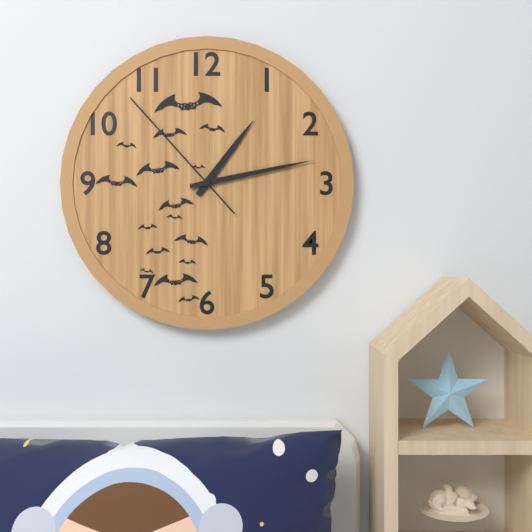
1 h 13 min 53 s
